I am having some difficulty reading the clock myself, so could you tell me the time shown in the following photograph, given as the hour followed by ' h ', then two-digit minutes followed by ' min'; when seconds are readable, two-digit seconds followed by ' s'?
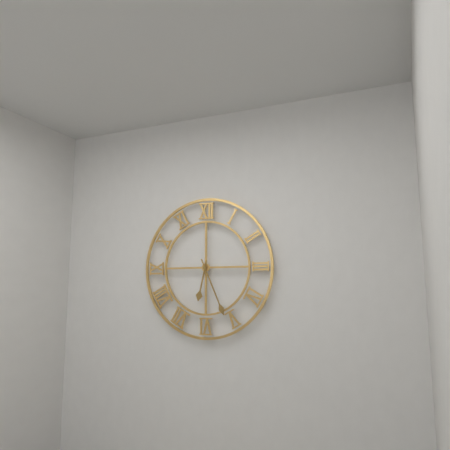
6 h 26 min
